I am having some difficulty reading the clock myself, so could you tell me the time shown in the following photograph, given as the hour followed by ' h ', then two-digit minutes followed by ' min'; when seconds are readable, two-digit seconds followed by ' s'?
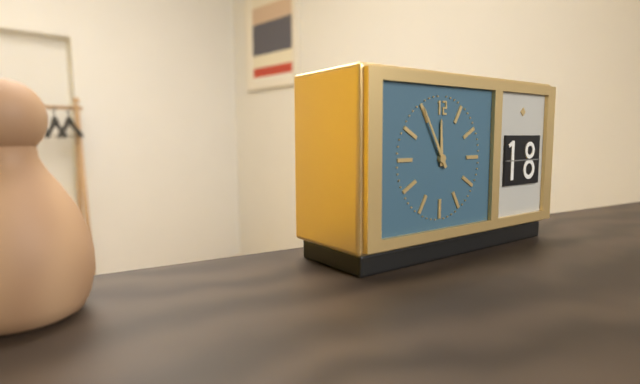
11 h 55 min
